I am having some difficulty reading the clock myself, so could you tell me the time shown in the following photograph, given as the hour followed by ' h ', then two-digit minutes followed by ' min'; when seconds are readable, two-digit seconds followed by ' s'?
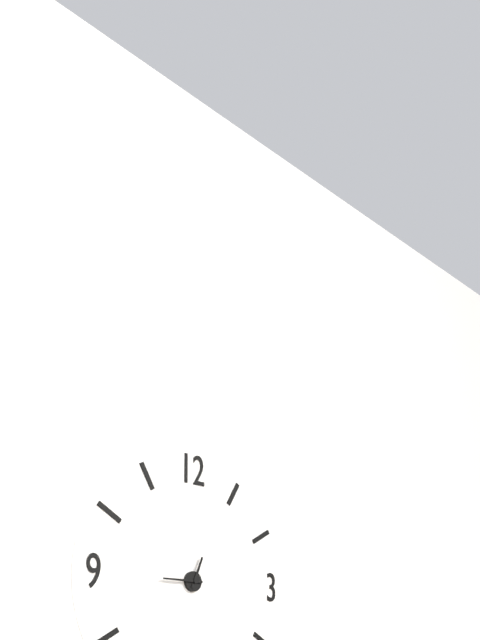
12 h 45 min
